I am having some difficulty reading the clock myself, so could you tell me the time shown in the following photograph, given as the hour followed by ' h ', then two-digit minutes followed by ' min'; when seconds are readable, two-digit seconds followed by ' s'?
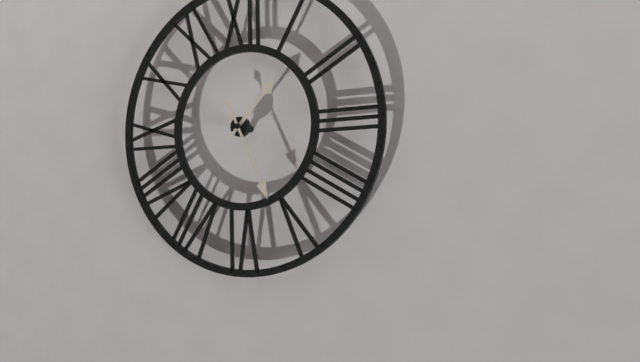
1 h 26 min
